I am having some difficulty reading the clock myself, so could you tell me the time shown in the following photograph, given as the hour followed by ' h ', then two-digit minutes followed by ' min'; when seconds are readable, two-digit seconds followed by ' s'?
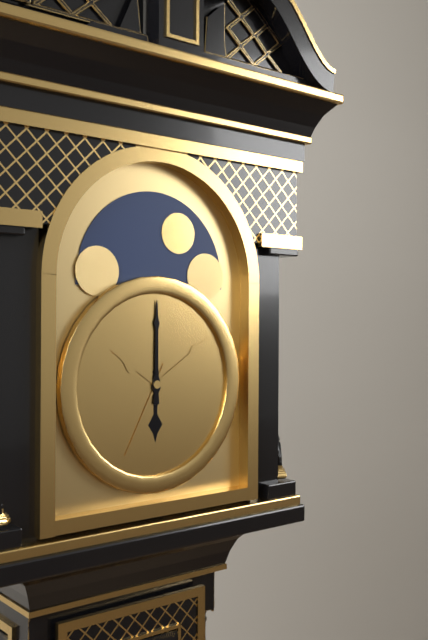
6 h 00 min
